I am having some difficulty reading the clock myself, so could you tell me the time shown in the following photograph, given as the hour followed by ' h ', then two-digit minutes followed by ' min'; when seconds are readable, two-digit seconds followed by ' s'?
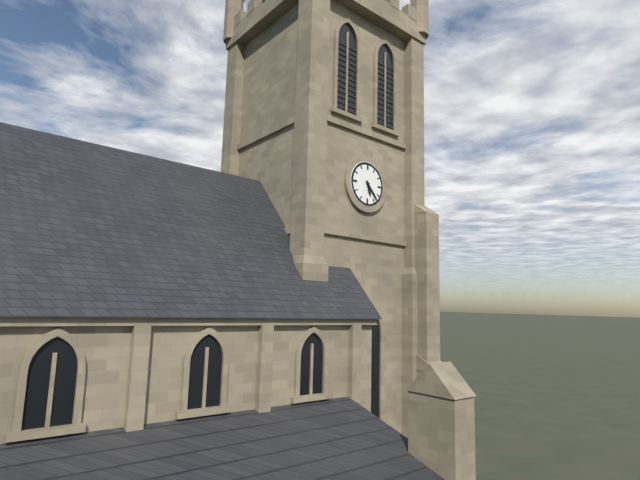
5 h 23 min
